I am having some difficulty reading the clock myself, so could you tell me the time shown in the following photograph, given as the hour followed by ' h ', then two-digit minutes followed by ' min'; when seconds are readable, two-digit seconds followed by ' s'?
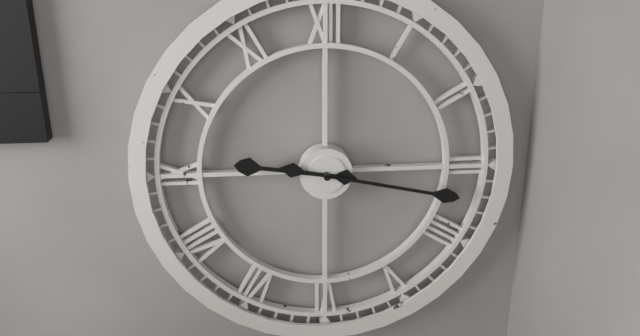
9 h 17 min
